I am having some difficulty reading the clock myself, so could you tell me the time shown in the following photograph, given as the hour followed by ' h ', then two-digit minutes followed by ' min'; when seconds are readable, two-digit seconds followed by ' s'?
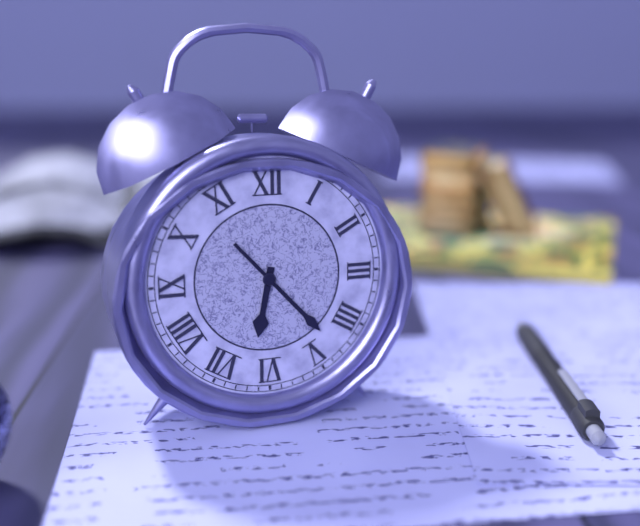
6 h 23 min
